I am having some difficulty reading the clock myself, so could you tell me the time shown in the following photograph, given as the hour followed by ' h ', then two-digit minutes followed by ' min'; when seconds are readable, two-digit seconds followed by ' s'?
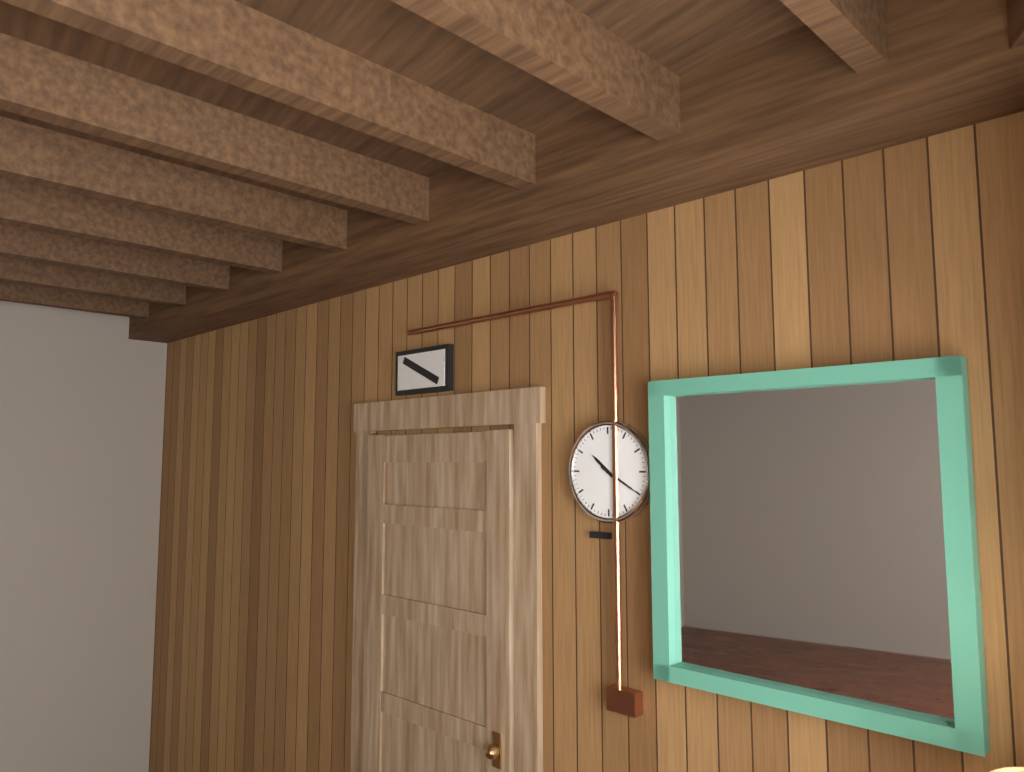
10 h 20 min
